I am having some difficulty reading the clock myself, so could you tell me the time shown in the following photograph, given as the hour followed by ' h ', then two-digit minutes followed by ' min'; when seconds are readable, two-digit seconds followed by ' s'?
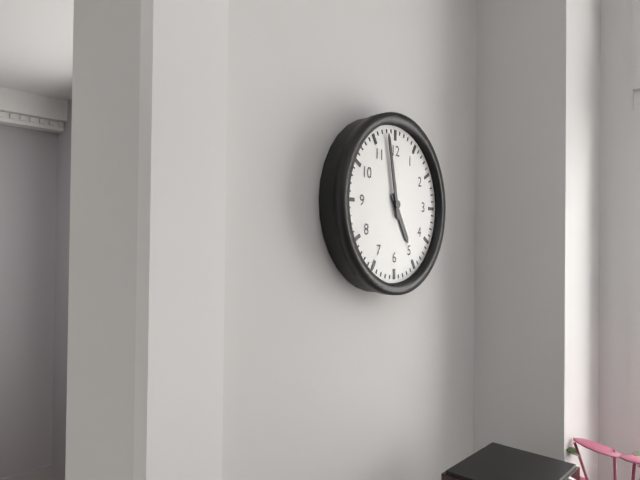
4 h 58 min
